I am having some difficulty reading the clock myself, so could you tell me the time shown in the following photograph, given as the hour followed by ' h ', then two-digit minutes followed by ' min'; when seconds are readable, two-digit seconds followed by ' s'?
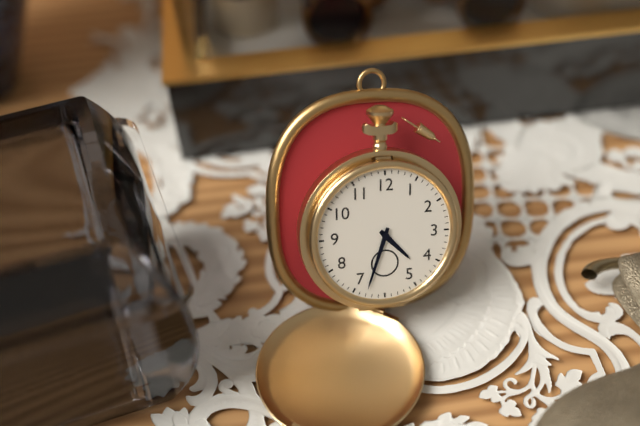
4 h 33 min
